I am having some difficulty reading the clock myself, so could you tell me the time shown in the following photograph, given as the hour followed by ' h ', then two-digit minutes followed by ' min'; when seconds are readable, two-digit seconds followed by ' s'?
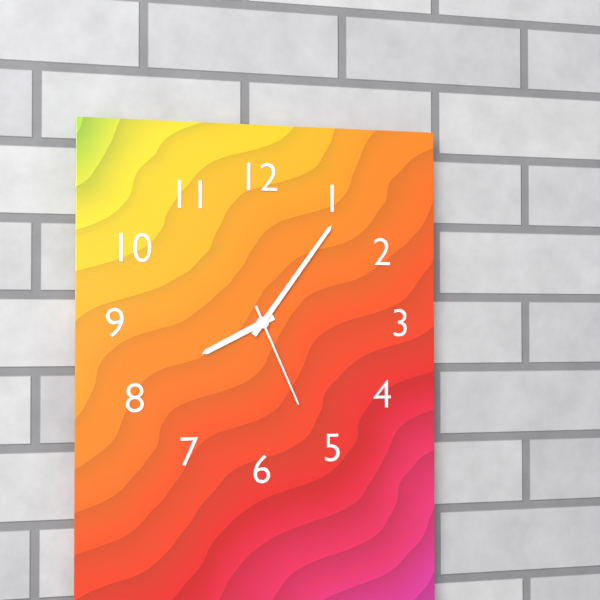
8 h 06 min 26 s
